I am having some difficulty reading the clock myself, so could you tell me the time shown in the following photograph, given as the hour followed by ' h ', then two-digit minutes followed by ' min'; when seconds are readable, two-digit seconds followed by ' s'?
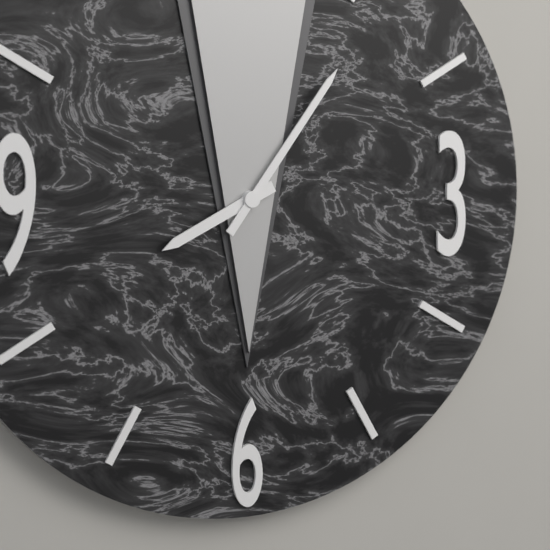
8 h 06 min
